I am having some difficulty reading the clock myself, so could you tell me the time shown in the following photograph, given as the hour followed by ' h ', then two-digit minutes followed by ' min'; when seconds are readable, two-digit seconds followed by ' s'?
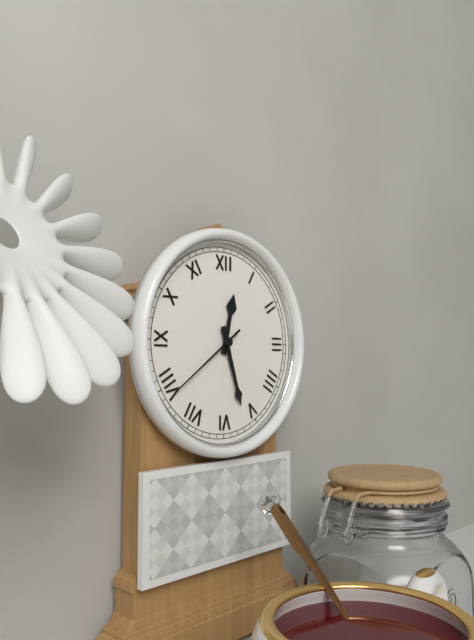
12 h 27 min 39 s
